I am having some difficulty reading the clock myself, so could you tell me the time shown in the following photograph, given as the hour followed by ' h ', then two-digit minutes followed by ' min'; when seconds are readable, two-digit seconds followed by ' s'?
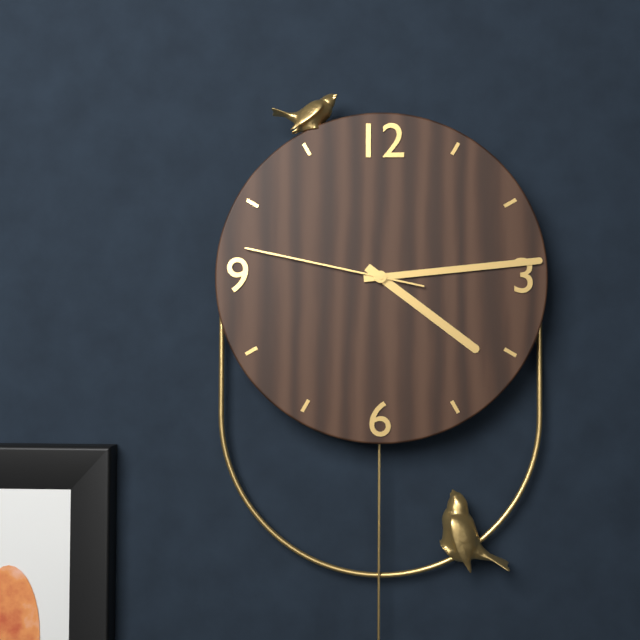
4 h 14 min 47 s
